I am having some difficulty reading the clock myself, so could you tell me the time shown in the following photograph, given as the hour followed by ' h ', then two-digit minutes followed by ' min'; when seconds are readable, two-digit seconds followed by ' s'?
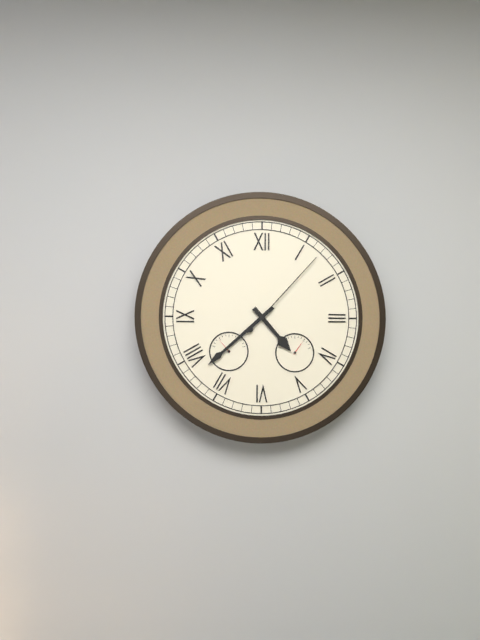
4 h 38 min 07 s
